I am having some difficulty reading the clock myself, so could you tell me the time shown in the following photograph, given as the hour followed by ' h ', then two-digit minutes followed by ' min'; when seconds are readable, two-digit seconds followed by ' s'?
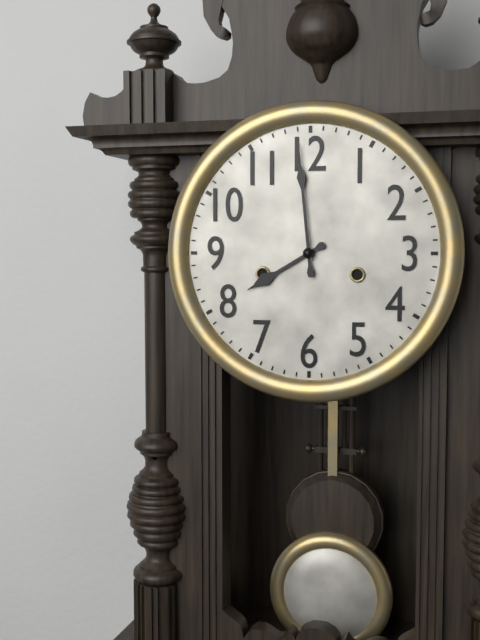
7 h 59 min
